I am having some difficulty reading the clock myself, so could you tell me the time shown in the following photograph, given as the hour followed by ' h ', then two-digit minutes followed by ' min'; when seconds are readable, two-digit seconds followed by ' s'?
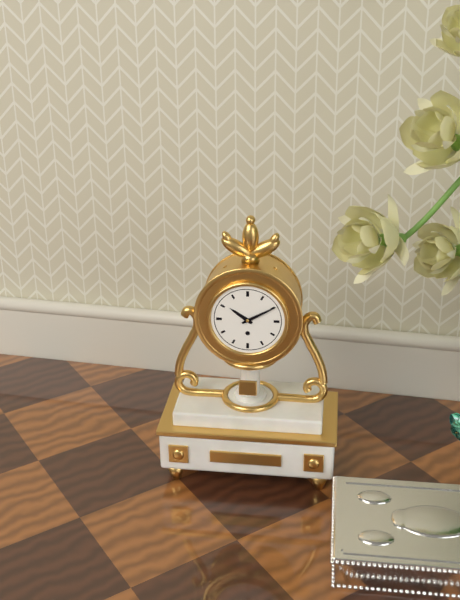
10 h 10 min
